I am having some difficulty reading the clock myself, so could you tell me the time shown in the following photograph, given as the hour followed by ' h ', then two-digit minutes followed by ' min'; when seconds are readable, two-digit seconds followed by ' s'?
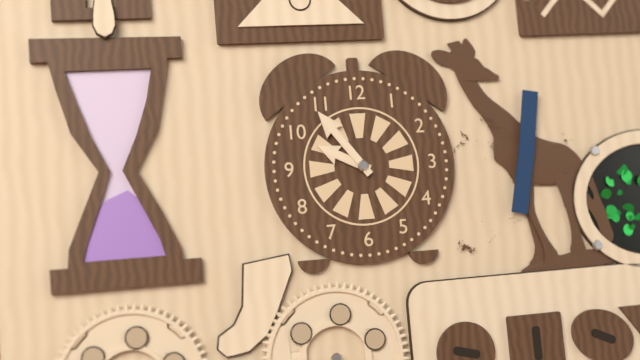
9 h 54 min
